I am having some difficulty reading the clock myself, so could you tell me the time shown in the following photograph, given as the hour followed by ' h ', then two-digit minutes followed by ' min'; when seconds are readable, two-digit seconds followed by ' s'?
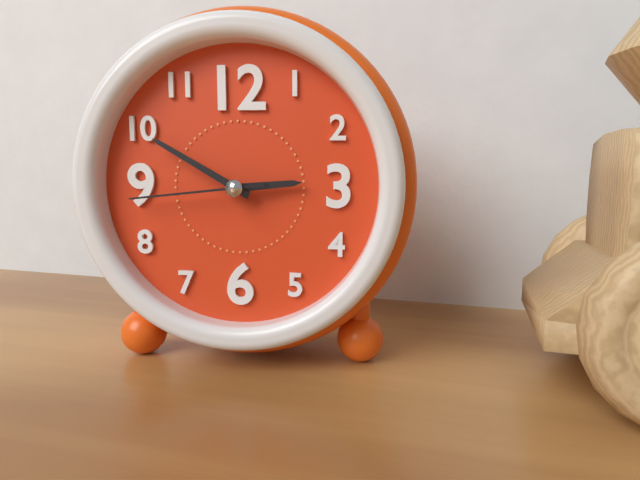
2 h 50 min 44 s
